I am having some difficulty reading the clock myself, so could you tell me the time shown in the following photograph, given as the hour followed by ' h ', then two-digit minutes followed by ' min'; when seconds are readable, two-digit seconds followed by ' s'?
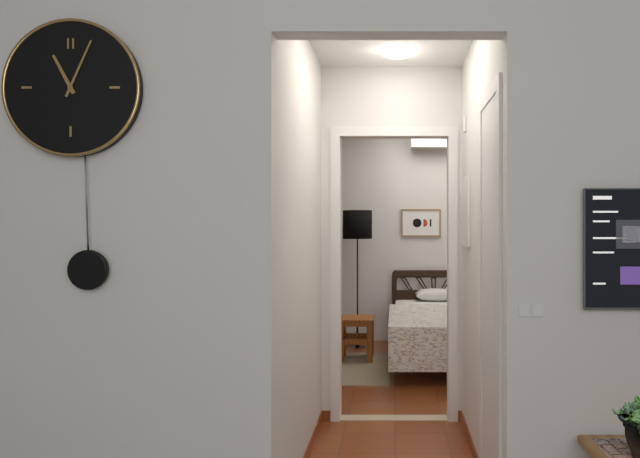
11 h 04 min
